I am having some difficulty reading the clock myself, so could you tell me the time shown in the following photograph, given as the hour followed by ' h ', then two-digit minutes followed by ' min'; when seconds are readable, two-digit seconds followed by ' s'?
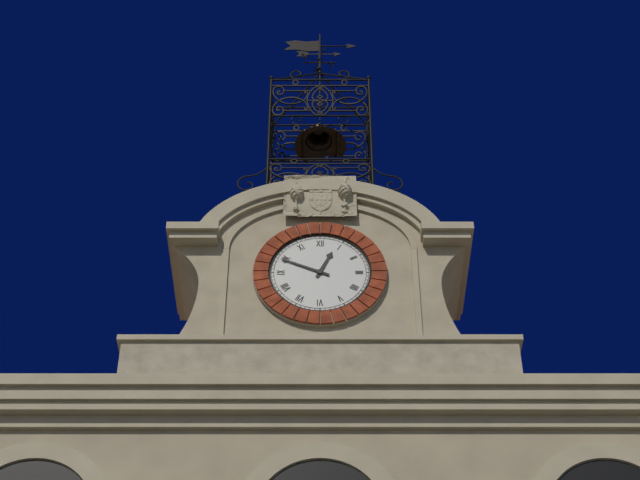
12 h 49 min
